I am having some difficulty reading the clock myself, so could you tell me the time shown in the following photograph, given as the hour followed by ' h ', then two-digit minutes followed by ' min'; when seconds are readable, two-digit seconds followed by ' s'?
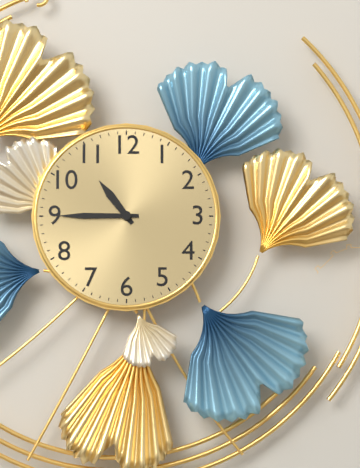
10 h 45 min
